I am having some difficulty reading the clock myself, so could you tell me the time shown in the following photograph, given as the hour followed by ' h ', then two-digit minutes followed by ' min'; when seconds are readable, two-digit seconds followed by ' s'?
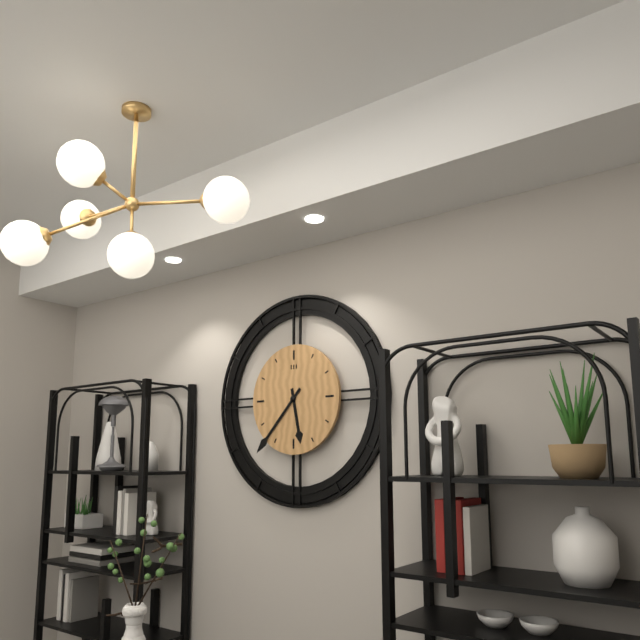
5 h 37 min
